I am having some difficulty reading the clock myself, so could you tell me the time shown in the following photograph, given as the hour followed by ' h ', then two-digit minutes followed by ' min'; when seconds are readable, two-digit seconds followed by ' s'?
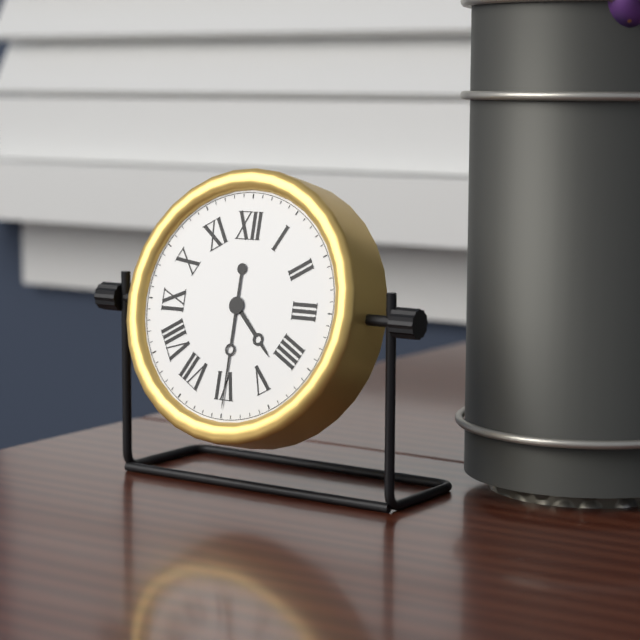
4 h 30 min
